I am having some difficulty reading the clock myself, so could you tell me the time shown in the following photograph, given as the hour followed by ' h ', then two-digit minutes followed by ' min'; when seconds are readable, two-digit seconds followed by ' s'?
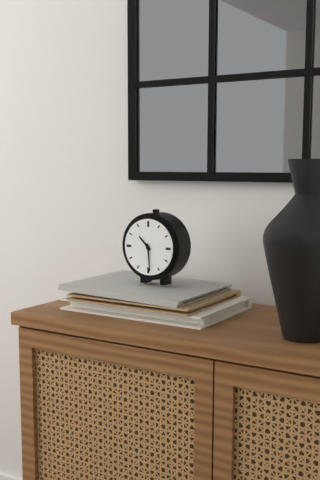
10 h 29 min
